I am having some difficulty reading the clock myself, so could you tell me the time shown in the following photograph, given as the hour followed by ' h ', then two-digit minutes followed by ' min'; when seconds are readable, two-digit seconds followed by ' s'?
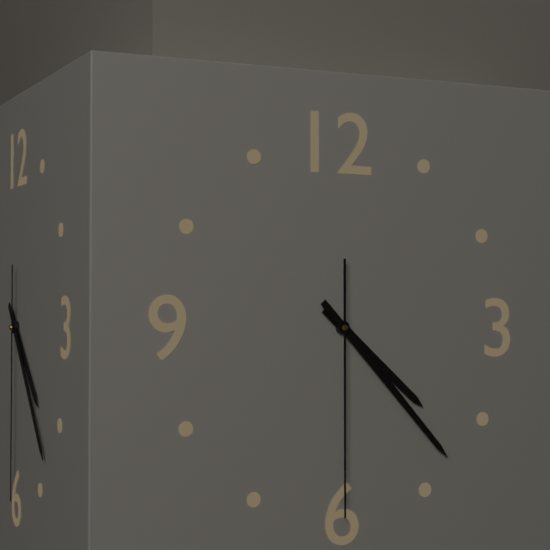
4 h 23 min 30 s
